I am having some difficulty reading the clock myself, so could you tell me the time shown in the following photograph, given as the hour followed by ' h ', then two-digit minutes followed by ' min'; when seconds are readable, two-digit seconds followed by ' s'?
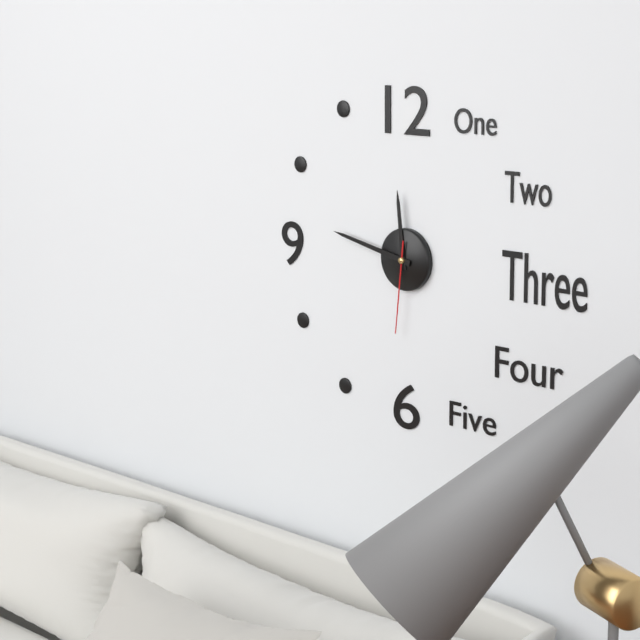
11 h 47 min 31 s
